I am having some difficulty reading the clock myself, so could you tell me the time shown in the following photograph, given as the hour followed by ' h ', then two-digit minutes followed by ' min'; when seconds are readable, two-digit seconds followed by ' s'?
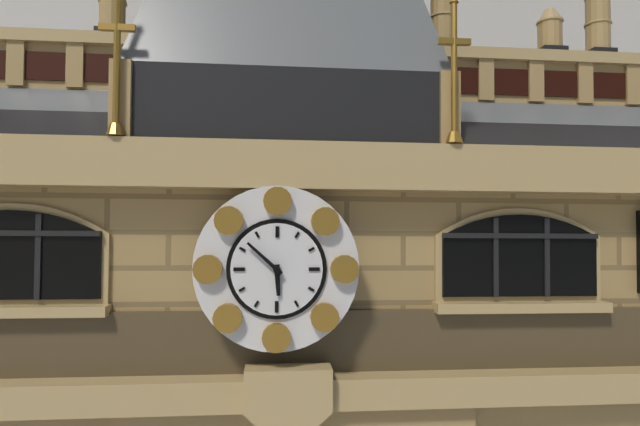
5 h 52 min
